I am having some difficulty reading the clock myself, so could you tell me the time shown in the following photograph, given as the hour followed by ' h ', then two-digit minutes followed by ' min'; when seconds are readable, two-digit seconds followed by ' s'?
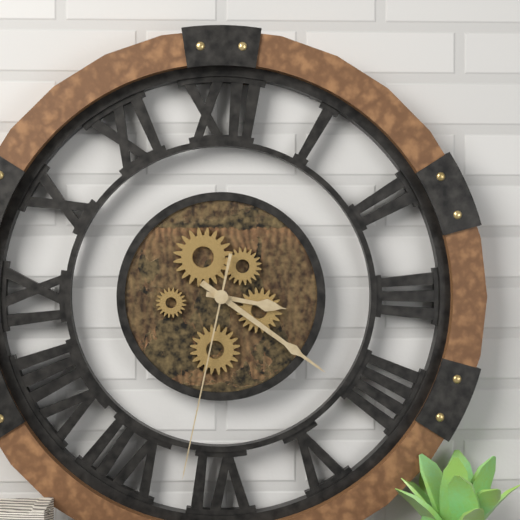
3 h 21 min 32 s
